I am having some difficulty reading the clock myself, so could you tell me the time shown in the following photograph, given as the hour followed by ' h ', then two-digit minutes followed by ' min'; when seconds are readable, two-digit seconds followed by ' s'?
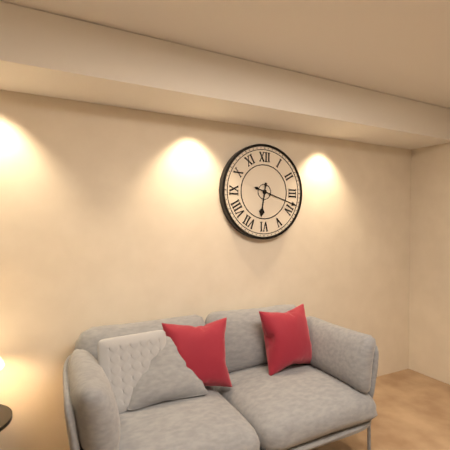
6 h 18 min
